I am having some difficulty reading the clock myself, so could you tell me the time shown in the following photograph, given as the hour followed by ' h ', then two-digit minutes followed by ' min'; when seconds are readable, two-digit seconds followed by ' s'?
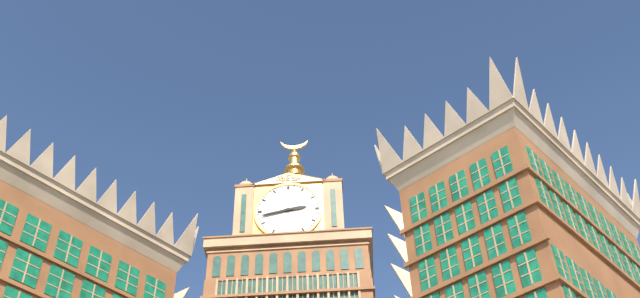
2 h 43 min
